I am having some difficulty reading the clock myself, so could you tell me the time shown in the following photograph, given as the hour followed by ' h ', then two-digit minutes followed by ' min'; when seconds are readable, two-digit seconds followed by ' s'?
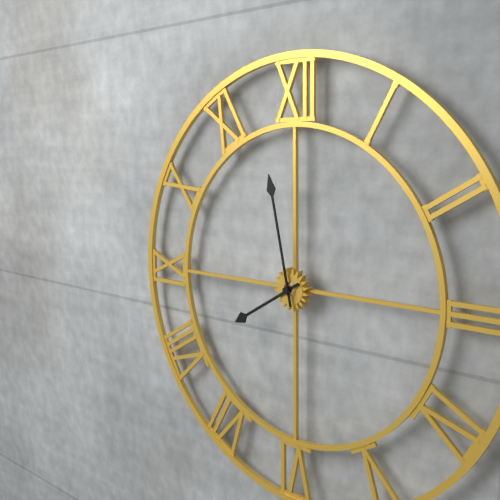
7 h 58 min
